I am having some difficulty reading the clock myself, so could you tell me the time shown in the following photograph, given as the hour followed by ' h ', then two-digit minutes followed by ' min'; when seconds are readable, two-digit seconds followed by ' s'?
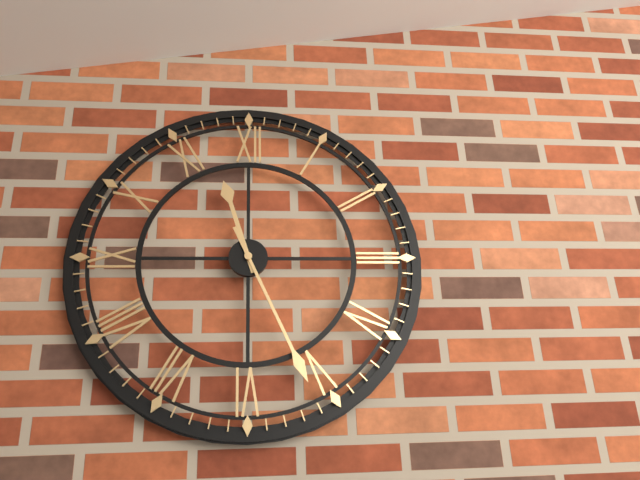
11 h 26 min
